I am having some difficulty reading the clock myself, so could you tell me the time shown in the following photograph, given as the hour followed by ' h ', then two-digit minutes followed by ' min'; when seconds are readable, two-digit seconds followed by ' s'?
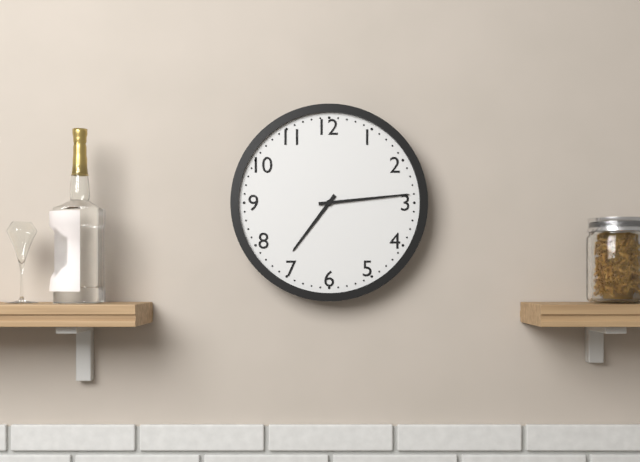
7 h 14 min
